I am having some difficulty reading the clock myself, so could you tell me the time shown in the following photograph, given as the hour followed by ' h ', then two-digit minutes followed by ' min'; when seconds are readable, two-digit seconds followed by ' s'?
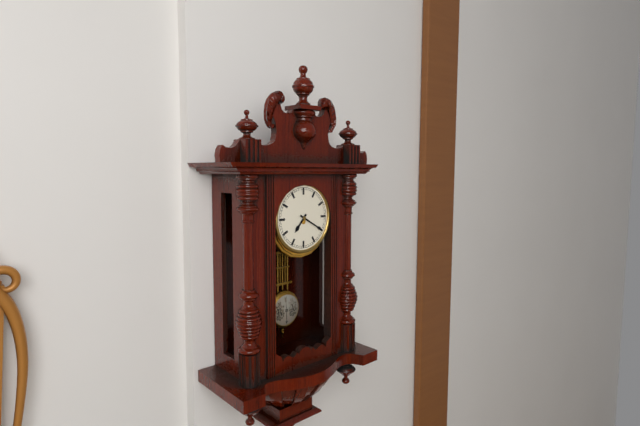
7 h 20 min
